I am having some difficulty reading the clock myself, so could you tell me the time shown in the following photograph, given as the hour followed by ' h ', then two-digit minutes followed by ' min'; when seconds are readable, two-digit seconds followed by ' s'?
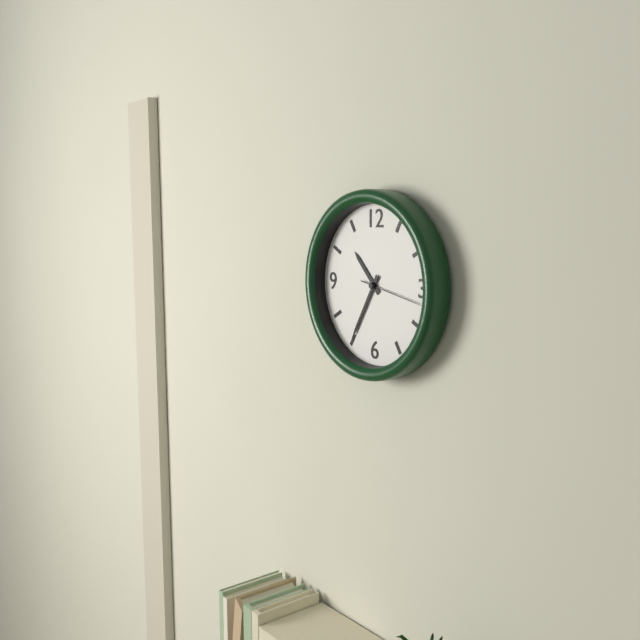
10 h 35 min 17 s
